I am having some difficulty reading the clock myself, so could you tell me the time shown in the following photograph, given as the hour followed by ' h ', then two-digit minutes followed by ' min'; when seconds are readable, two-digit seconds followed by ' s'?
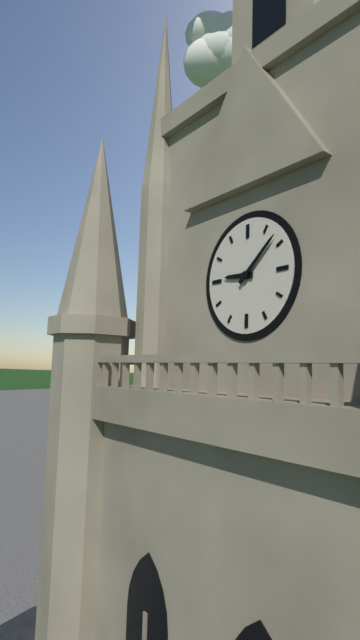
9 h 08 min
